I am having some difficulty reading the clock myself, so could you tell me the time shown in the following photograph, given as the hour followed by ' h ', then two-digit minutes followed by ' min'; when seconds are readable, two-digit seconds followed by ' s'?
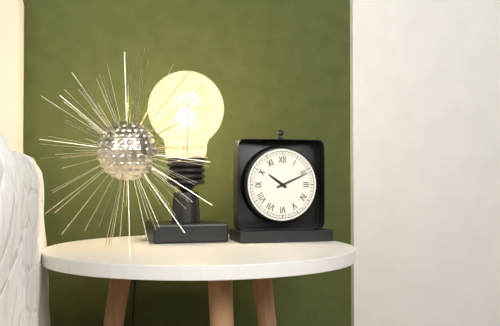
10 h 11 min
